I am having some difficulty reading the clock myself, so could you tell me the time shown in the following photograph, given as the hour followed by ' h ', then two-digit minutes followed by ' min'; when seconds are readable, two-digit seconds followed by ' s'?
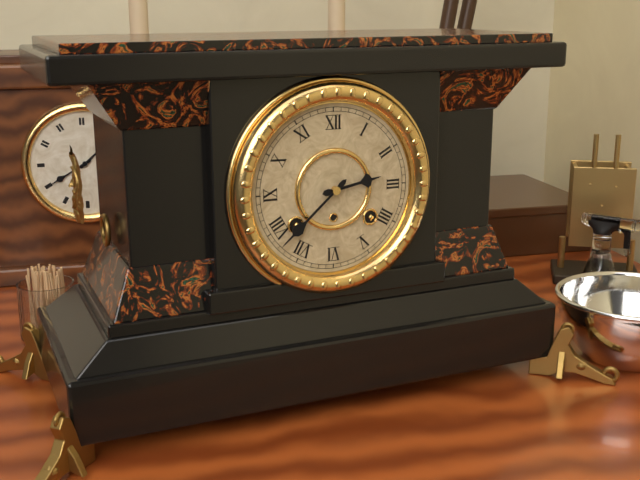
2 h 38 min
